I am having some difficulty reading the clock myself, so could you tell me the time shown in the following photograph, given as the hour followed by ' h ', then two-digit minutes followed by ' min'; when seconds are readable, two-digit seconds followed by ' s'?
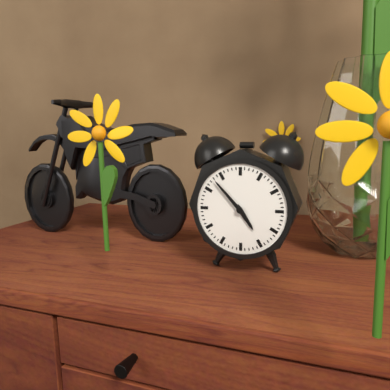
4 h 53 min
